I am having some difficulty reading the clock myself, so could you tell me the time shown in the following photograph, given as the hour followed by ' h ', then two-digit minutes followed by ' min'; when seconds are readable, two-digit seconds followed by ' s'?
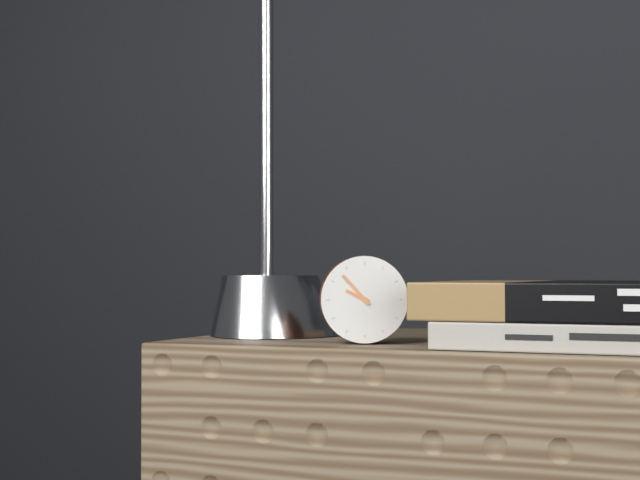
9 h 53 min
